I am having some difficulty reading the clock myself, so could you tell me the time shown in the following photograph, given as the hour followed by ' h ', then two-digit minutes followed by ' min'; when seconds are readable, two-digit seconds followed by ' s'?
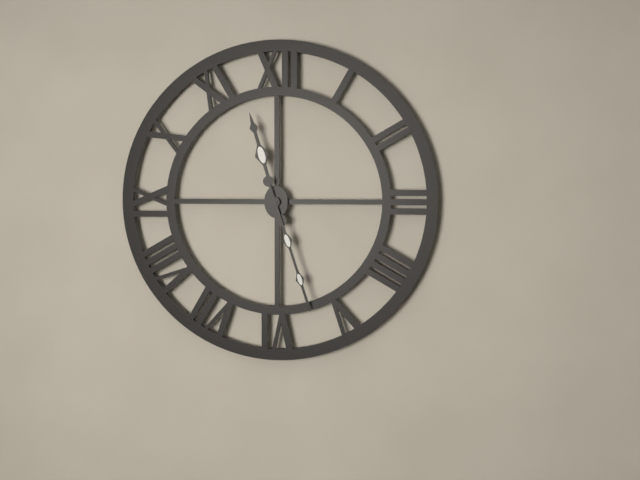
11 h 27 min
